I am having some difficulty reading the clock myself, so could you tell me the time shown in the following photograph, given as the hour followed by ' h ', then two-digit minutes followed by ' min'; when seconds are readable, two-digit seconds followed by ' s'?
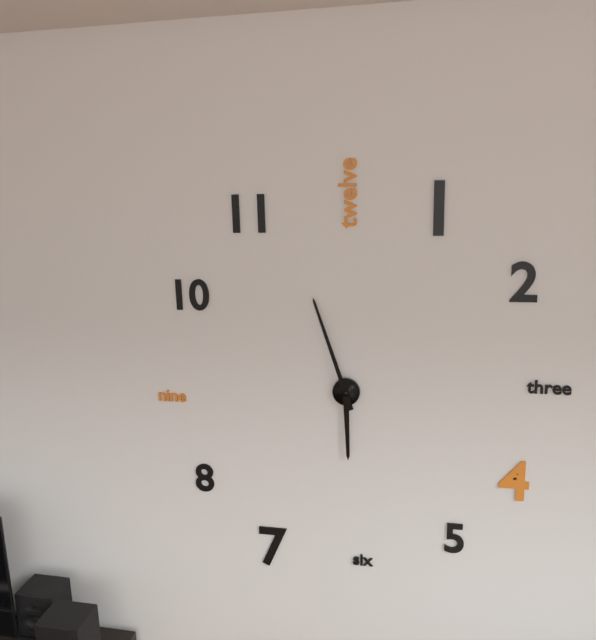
5 h 57 min
